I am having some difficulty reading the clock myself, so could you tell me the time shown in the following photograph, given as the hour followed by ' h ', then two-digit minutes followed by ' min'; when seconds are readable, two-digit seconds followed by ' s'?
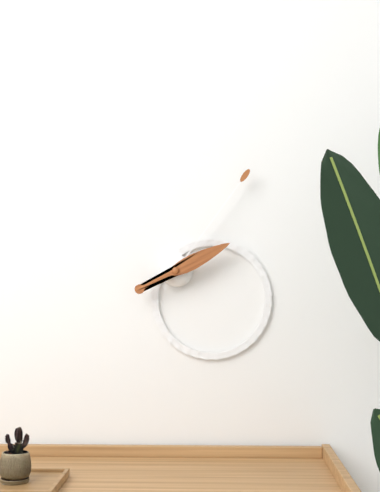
2 h 06 min
